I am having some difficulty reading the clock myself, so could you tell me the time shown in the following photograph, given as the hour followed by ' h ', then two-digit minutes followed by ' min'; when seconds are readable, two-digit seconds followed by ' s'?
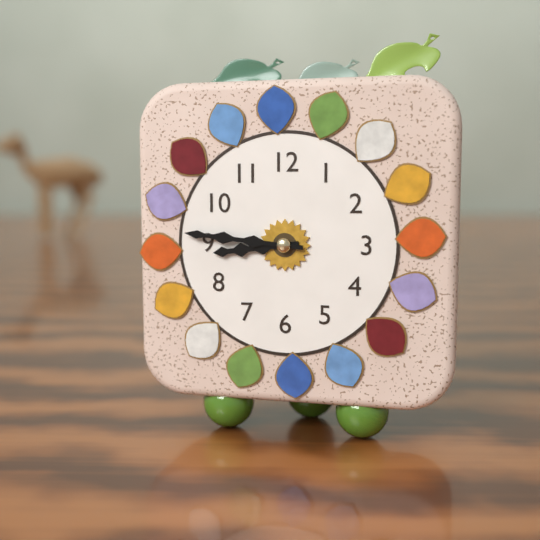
8 h 46 min
